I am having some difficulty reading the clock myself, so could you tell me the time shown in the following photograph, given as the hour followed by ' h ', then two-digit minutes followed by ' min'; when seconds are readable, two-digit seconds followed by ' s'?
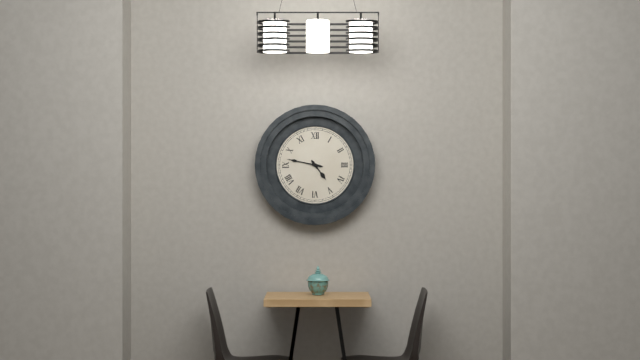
4 h 47 min
